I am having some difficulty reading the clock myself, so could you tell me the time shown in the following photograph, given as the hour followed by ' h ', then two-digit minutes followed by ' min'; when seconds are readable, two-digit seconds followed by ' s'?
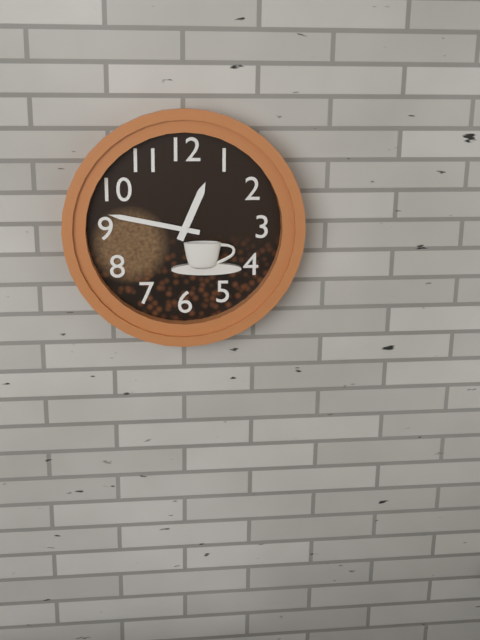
12 h 47 min
